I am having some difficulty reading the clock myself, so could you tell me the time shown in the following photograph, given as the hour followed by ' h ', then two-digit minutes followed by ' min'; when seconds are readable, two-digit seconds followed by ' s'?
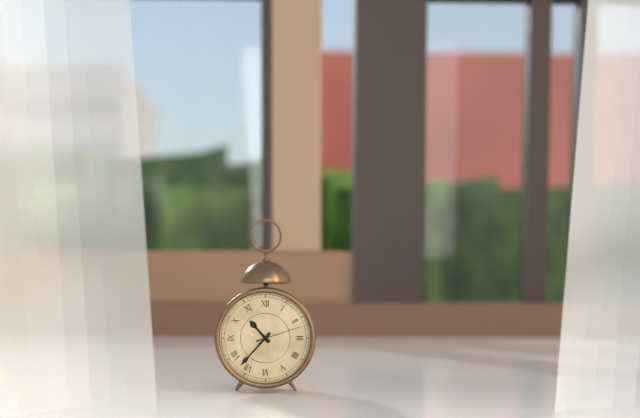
10 h 37 min
